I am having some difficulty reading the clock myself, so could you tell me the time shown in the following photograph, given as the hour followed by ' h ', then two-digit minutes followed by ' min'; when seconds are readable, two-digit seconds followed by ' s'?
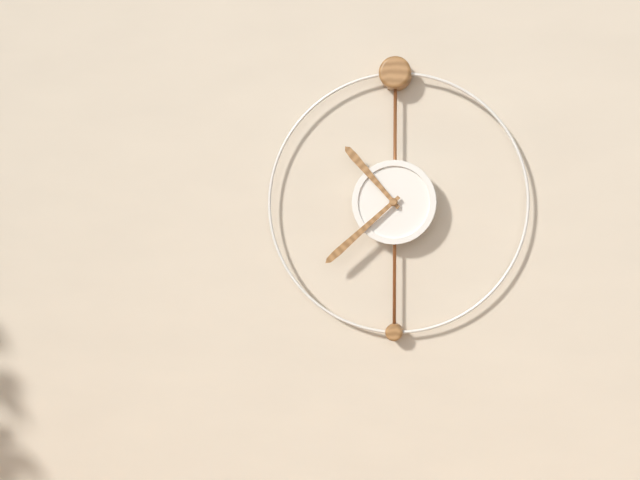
10 h 38 min
